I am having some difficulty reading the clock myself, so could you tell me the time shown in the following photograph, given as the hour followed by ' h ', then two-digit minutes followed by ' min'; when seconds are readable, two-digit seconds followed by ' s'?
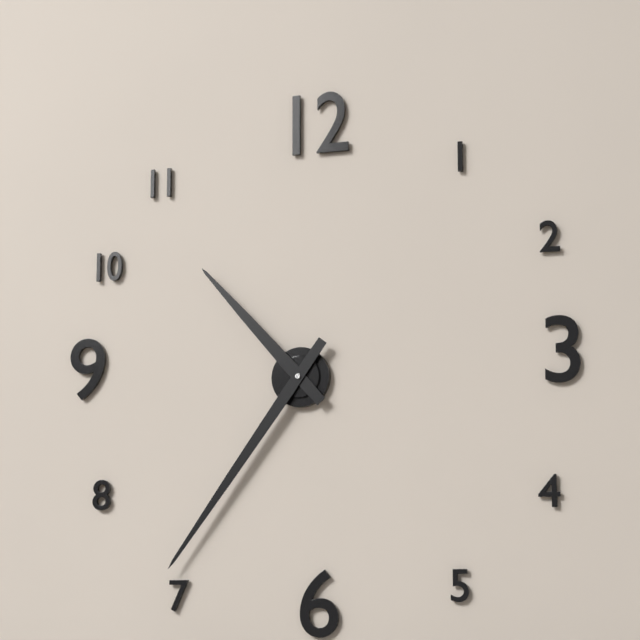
10 h 36 min
